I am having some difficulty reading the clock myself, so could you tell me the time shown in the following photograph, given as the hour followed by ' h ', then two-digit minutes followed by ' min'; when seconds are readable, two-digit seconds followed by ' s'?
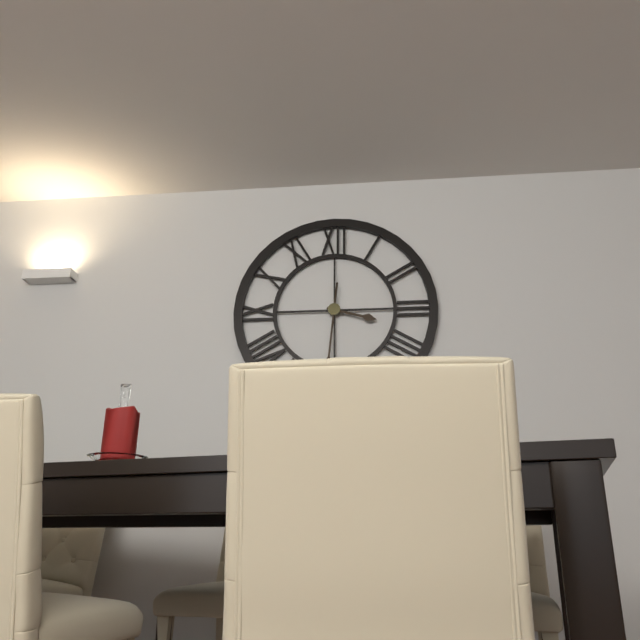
3 h 31 min
